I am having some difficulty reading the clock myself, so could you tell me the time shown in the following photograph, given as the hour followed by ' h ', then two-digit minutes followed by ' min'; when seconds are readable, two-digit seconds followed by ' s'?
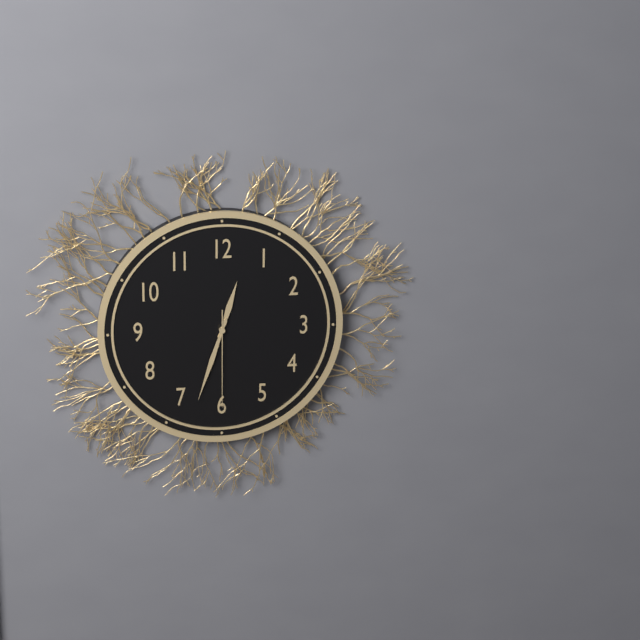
12 h 33 min 30 s
